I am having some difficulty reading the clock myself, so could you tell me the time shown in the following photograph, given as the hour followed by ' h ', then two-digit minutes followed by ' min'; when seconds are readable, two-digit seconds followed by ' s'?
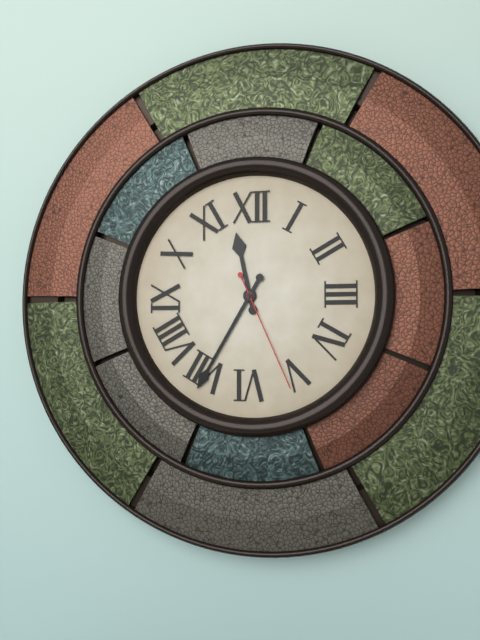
11 h 35 min 26 s
